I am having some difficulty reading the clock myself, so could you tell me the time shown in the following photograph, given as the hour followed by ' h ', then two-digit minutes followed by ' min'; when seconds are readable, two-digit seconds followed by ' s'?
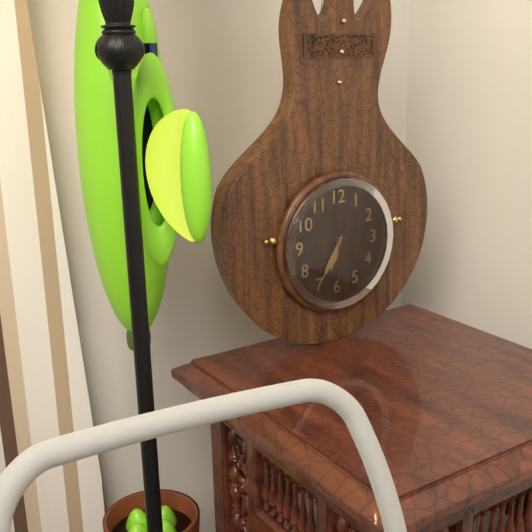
6 h 35 min 30 s
